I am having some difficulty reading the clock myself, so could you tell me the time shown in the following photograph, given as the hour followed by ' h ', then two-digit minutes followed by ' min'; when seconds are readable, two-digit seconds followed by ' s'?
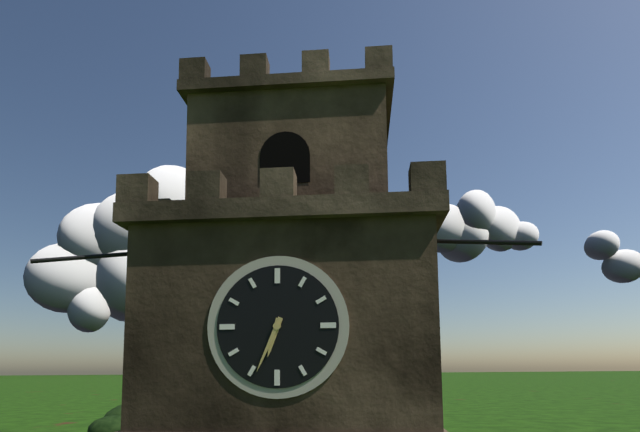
6 h 34 min
